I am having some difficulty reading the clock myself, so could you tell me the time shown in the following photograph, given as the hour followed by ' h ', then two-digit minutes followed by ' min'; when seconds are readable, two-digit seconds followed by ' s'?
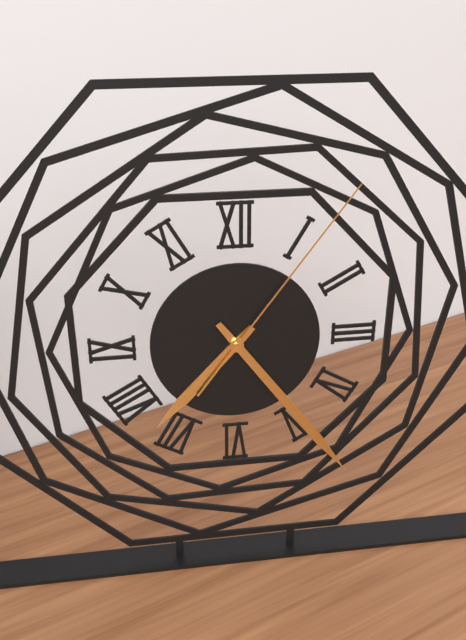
7 h 24 min 06 s
